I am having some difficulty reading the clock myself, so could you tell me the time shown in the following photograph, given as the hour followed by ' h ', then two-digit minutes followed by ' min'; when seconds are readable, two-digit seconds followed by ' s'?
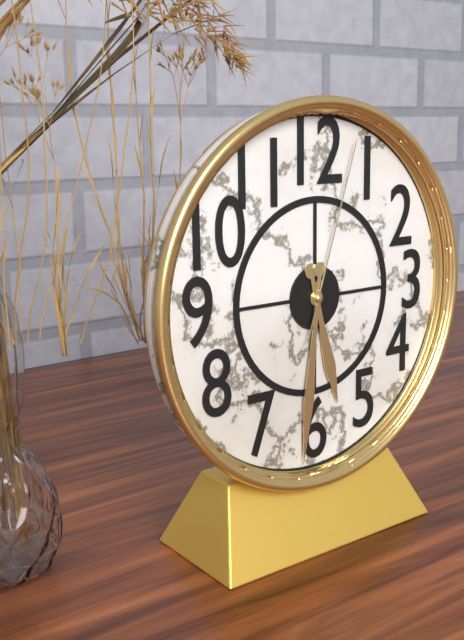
5 h 31 min 03 s
